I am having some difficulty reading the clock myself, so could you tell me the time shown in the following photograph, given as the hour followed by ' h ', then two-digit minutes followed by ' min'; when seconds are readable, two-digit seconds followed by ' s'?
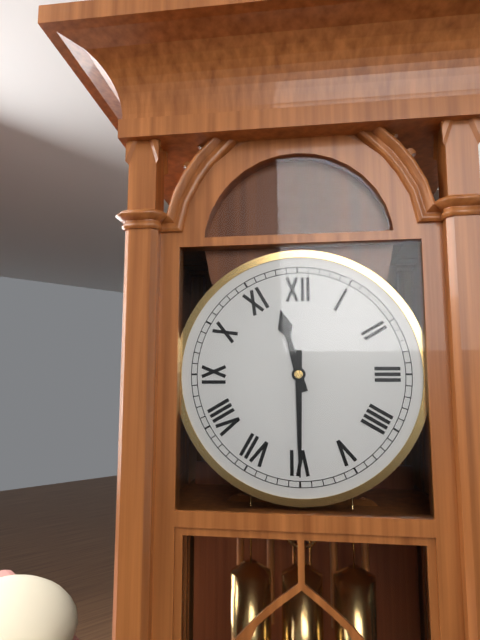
11 h 30 min
